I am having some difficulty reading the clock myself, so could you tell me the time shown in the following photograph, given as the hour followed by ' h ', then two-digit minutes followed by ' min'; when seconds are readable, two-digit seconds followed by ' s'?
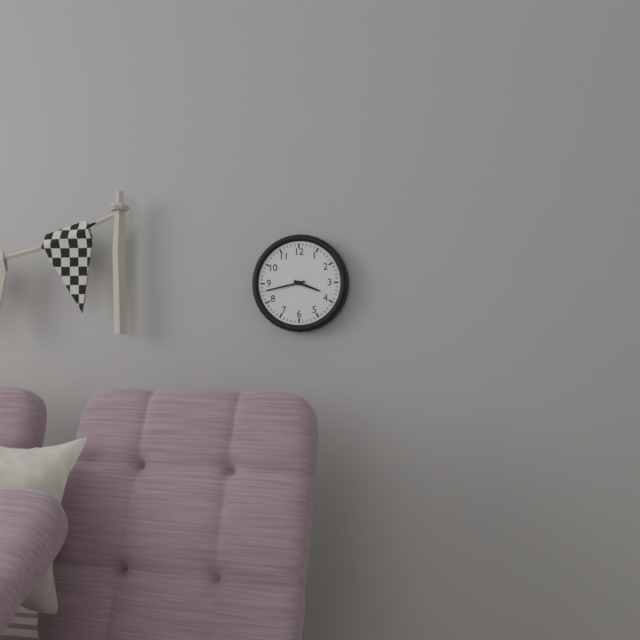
3 h 43 min
